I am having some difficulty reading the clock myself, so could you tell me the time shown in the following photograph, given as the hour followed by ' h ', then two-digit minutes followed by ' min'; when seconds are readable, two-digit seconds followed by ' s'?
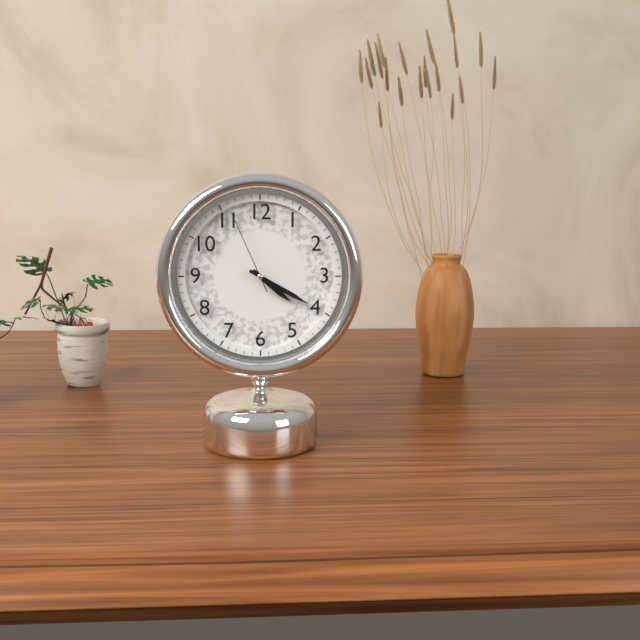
4 h 20 min 56 s
